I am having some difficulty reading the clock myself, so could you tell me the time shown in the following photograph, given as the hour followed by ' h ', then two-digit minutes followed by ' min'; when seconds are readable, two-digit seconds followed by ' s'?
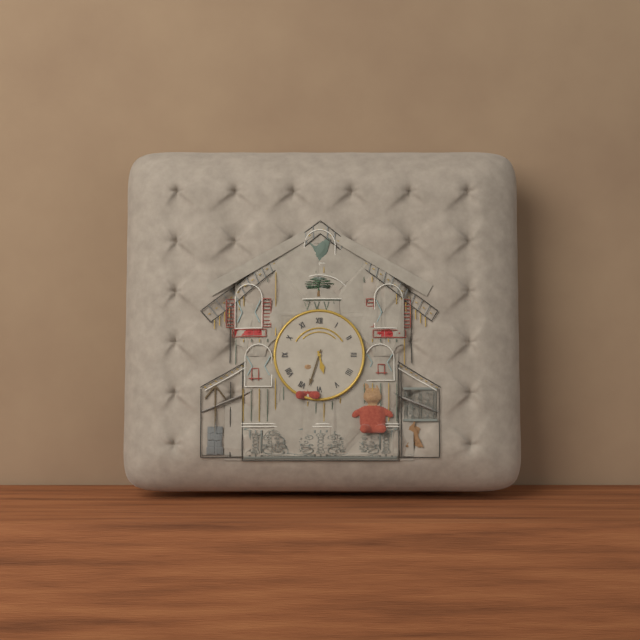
5 h 33 min
